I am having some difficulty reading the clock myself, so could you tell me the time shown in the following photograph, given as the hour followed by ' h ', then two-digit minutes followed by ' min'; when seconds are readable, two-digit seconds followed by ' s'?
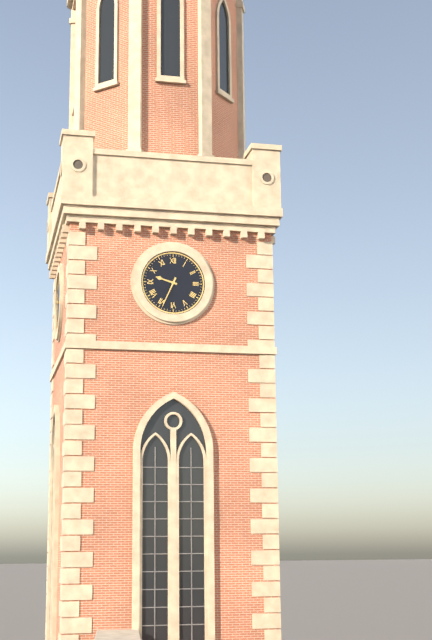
9 h 34 min
